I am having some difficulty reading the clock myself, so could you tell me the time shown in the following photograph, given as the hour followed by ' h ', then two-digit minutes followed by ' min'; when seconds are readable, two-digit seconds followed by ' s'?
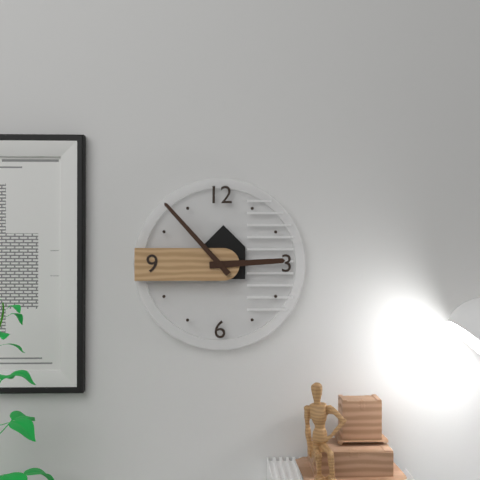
2 h 53 min
